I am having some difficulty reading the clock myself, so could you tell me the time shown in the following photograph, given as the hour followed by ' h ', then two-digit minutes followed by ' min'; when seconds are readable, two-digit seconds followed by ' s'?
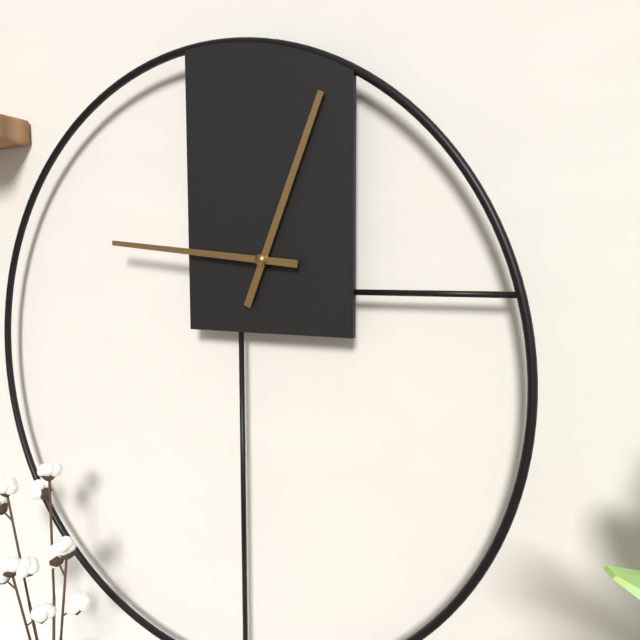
12 h 46 min
